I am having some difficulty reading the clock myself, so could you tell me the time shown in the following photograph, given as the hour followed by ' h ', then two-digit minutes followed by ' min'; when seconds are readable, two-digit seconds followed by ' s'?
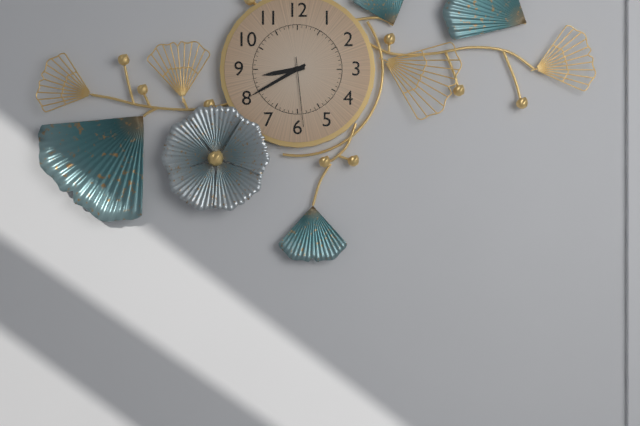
8 h 40 min 29 s
